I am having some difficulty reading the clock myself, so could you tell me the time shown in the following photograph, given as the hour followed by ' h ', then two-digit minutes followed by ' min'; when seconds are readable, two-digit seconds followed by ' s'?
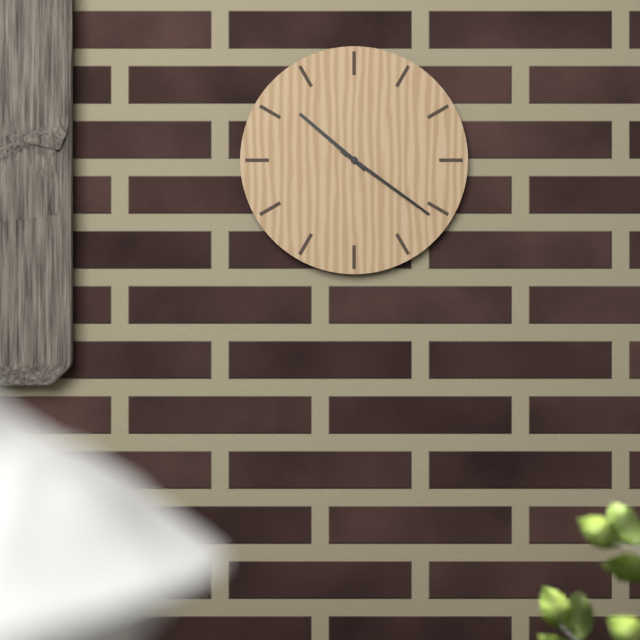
10 h 21 min
